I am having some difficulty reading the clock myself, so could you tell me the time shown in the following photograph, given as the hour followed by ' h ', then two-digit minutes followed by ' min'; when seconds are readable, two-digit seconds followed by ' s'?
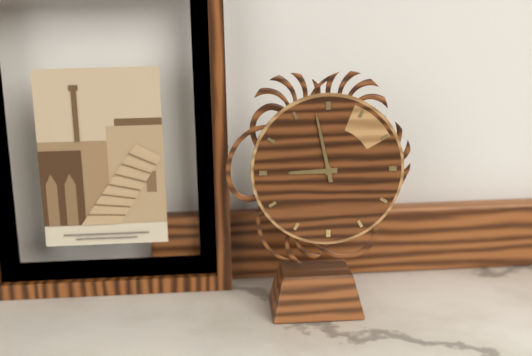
8 h 58 min
